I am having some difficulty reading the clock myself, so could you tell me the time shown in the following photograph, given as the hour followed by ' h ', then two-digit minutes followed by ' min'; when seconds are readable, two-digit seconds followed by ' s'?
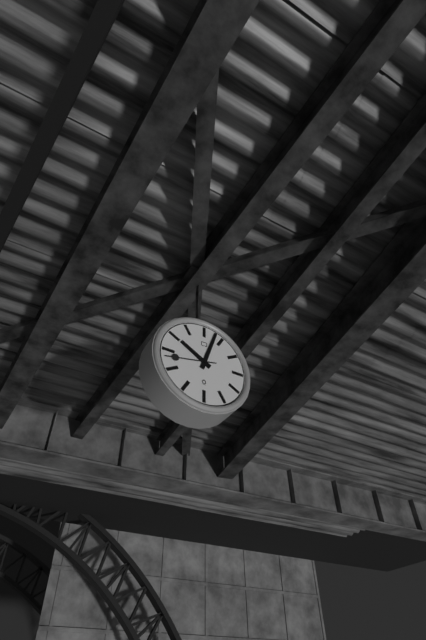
10 h 03 min 43 s
